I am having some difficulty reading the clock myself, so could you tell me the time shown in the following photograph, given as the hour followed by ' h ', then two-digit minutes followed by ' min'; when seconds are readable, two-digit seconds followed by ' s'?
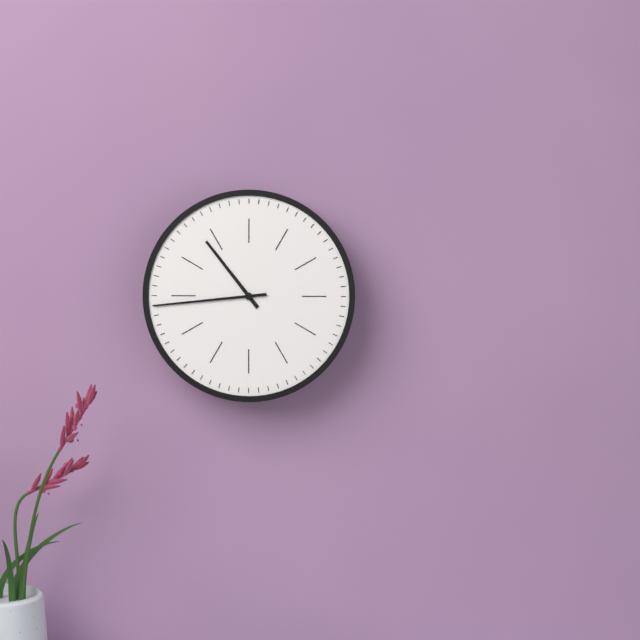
10 h 44 min
